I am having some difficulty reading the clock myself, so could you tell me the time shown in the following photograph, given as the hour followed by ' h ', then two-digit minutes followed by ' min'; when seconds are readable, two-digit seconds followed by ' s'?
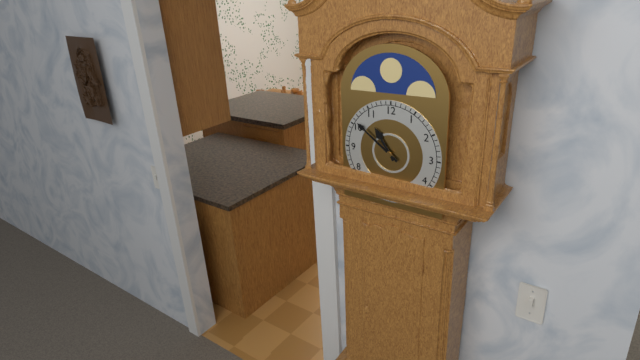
10 h 51 min
